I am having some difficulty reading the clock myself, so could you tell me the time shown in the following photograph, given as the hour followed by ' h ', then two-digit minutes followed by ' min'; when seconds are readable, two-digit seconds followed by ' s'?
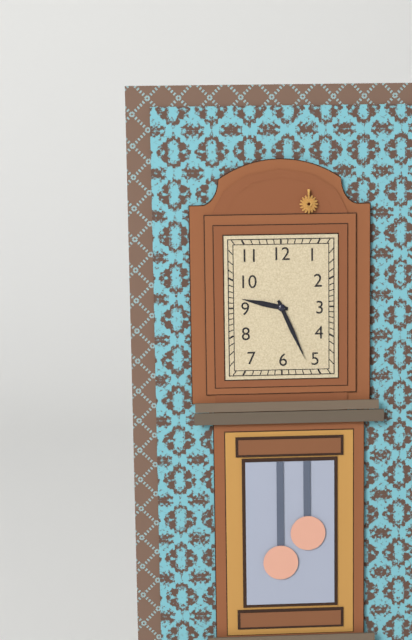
9 h 26 min
